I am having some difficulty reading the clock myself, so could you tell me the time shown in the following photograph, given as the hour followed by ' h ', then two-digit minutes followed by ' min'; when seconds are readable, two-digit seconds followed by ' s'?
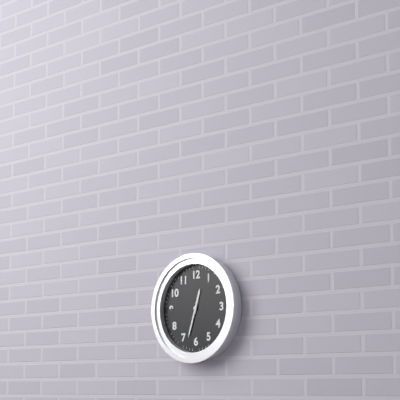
12 h 33 min
